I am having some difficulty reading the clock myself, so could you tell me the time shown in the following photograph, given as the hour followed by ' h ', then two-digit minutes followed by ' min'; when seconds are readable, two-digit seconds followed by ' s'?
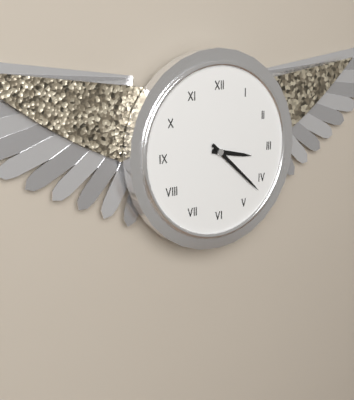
3 h 22 min
